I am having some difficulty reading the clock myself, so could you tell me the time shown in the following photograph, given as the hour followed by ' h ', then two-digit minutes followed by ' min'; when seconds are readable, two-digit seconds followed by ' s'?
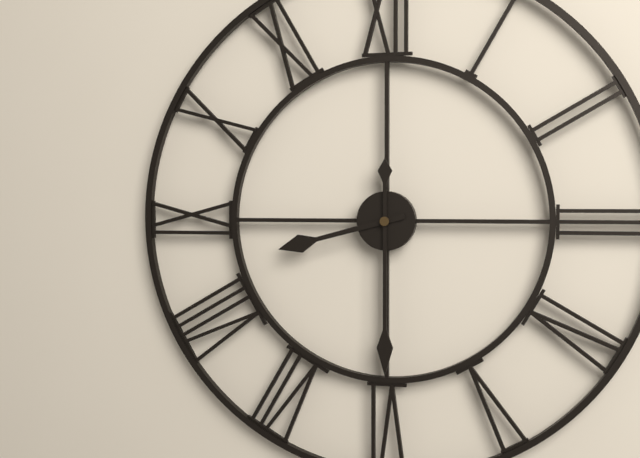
8 h 30 min
